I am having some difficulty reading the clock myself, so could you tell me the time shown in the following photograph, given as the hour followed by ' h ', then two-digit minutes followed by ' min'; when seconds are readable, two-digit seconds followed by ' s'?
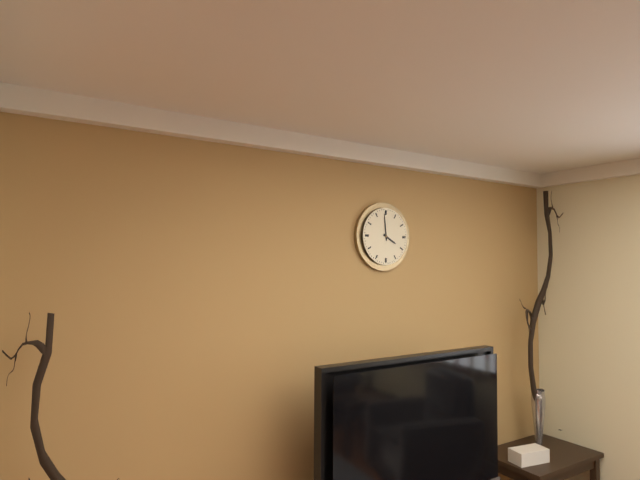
3 h 59 min
